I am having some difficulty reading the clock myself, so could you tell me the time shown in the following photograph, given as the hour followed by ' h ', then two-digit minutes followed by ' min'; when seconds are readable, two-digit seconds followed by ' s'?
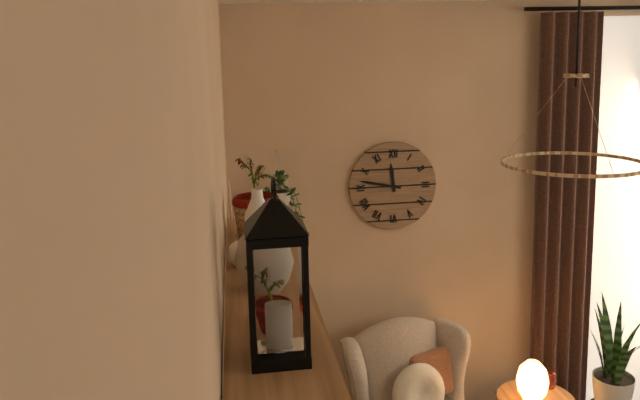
11 h 47 min
